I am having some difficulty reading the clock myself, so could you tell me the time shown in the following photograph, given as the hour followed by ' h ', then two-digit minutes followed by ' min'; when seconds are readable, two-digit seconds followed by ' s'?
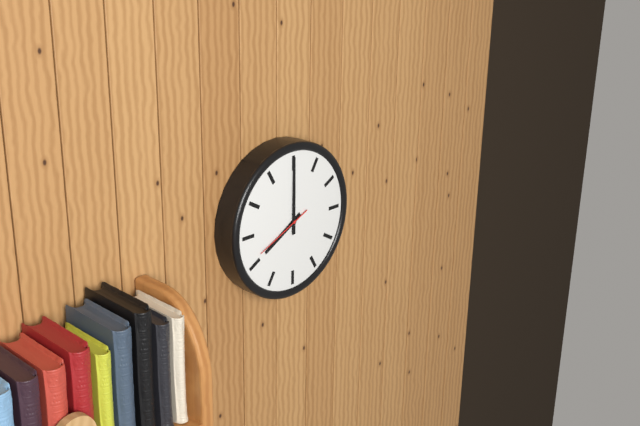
8 h 00 min 41 s
